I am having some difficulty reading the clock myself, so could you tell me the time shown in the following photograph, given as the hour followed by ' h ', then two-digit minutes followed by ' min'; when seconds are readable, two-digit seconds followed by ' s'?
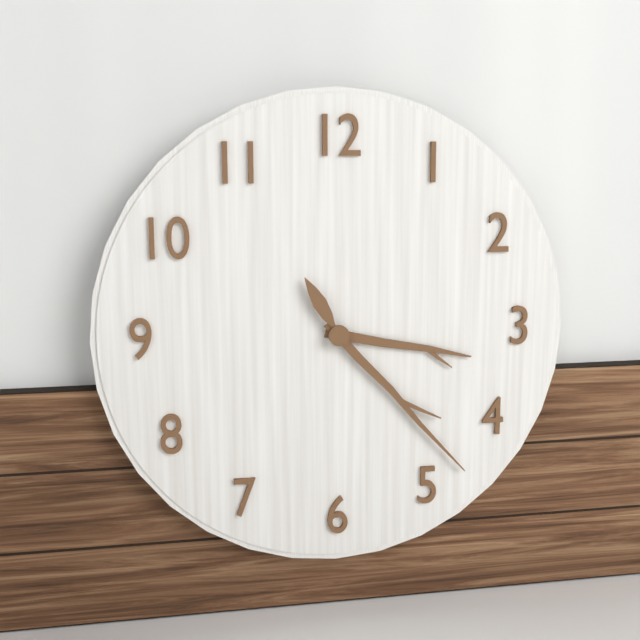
3 h 23 min 55 s
